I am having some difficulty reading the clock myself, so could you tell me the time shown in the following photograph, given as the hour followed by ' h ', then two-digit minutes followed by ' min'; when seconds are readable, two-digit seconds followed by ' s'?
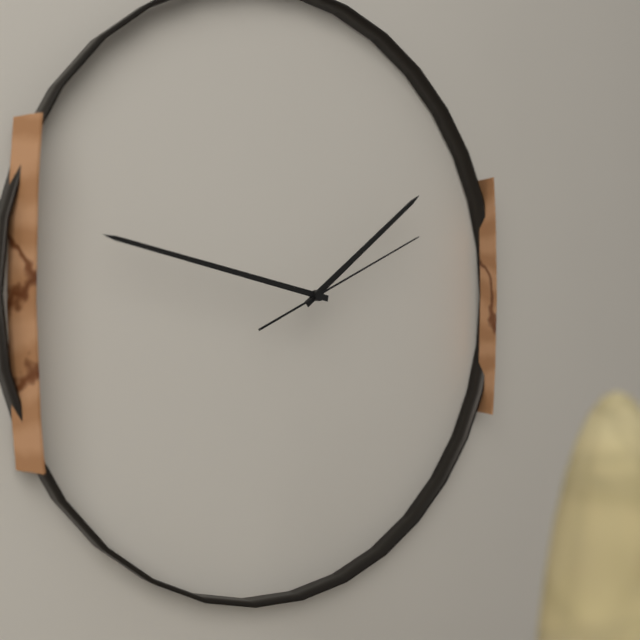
1 h 47 min 11 s
